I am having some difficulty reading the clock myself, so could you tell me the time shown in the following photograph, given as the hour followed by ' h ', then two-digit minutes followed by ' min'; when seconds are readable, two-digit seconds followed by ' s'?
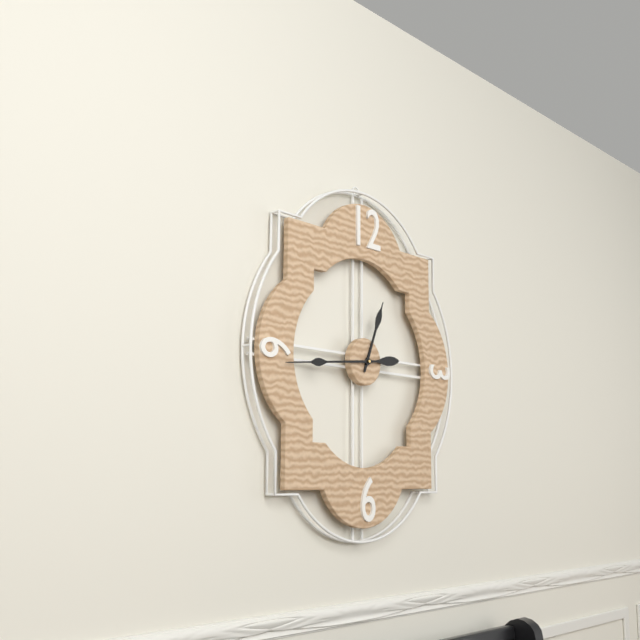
12 h 44 min
